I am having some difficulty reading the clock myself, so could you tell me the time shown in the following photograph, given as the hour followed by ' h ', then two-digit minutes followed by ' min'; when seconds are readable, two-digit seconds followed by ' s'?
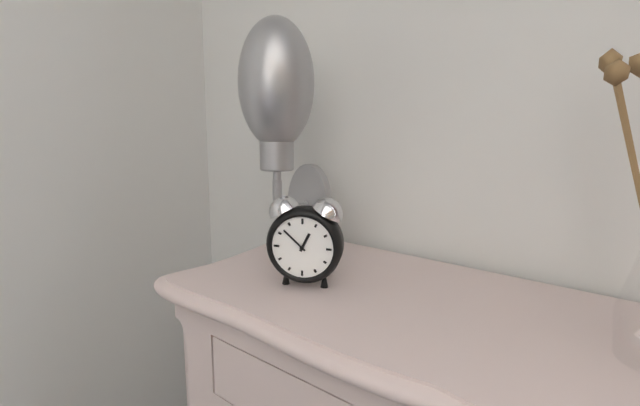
12 h 52 min
